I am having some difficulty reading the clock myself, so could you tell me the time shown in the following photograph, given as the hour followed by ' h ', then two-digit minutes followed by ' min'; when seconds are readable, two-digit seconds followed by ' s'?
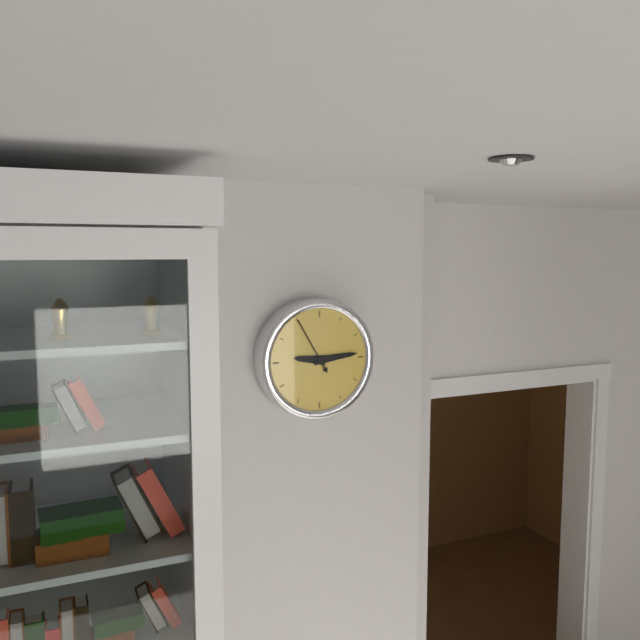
9 h 14 min 55 s
